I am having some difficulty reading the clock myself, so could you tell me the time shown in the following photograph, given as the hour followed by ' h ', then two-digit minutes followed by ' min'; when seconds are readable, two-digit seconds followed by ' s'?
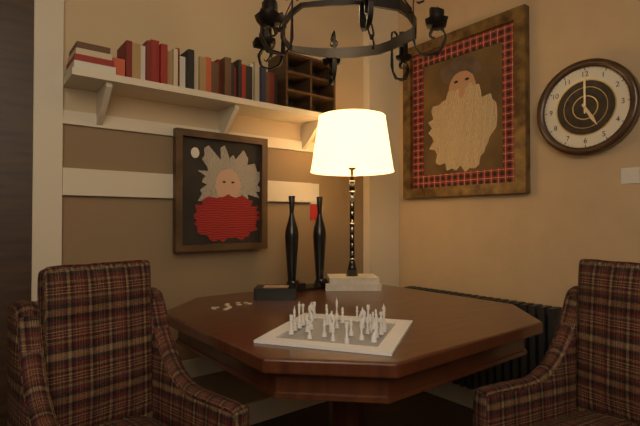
5 h 00 min
